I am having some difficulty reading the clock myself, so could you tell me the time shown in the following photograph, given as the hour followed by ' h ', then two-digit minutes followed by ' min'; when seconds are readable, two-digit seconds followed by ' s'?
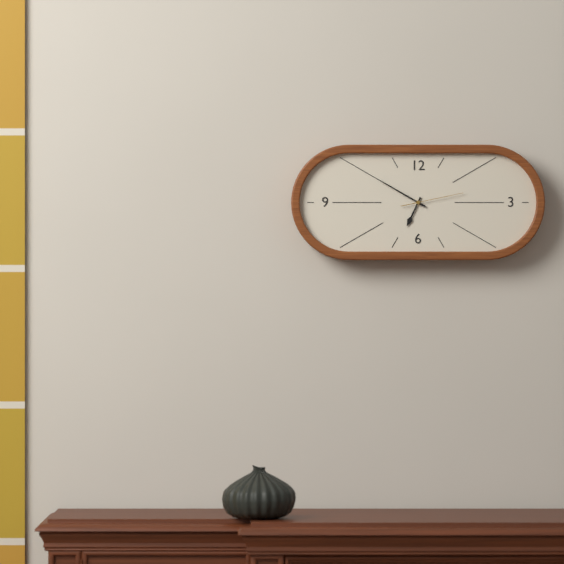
6 h 50 min 13 s
